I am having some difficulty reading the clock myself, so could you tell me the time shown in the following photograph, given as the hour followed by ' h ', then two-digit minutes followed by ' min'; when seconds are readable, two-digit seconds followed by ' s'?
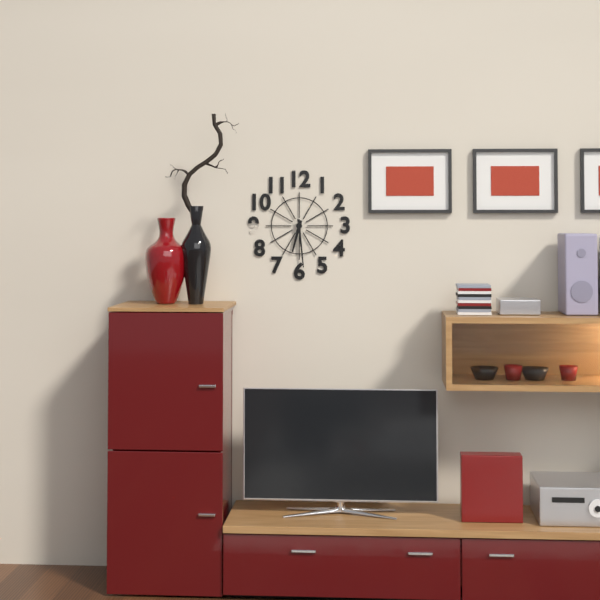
6 h 29 min
